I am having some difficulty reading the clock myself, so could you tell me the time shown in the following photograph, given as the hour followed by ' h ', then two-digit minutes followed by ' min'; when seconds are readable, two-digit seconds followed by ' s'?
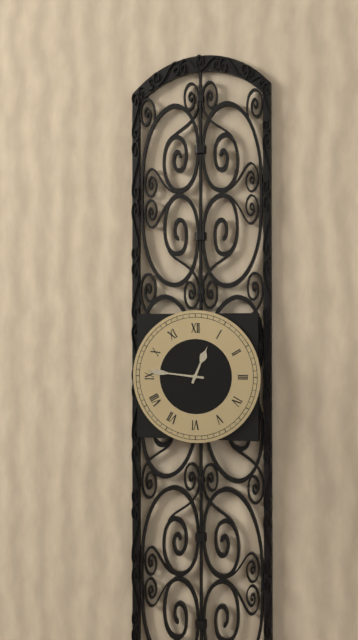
12 h 46 min
